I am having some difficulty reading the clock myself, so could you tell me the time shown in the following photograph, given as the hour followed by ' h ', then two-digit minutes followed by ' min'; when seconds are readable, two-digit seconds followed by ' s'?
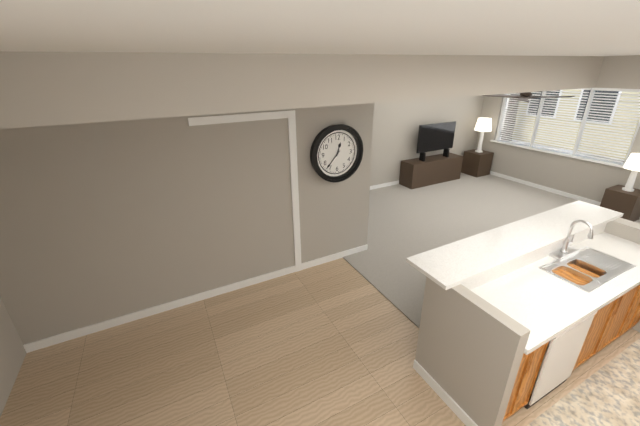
12 h 37 min
